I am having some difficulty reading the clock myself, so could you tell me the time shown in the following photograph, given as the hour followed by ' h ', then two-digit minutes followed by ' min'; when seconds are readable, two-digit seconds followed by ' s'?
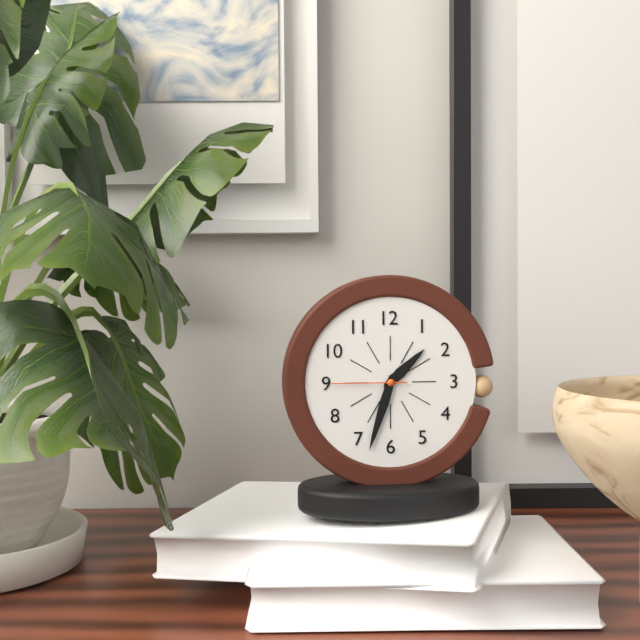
1 h 33 min 45 s
